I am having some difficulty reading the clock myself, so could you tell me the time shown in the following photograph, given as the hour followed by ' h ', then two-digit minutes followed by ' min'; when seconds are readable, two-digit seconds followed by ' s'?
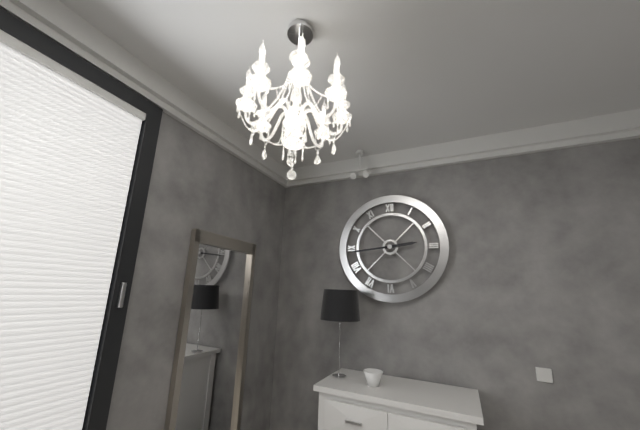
2 h 44 min
